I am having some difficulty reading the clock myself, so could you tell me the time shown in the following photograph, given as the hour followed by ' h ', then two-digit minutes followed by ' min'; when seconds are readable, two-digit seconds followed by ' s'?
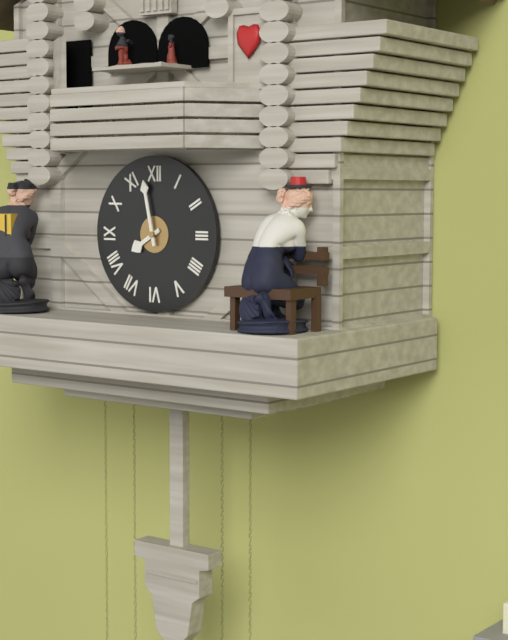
7 h 58 min
